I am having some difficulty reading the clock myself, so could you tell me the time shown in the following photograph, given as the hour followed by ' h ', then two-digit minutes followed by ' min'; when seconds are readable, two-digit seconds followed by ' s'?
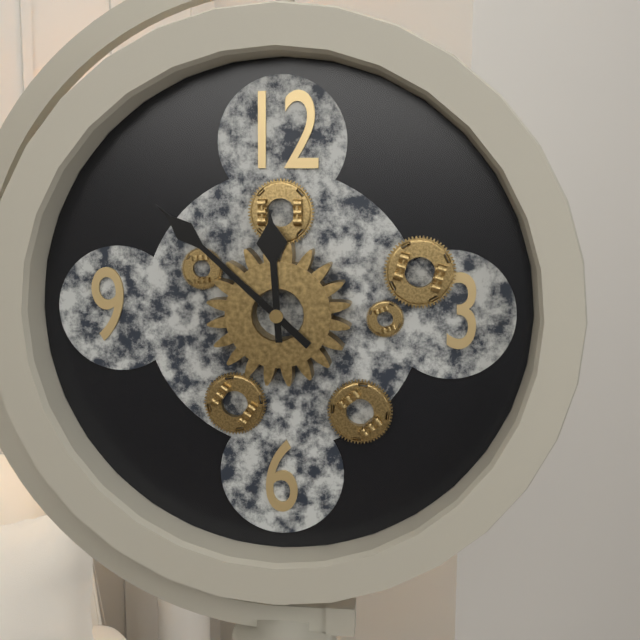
11 h 52 min
